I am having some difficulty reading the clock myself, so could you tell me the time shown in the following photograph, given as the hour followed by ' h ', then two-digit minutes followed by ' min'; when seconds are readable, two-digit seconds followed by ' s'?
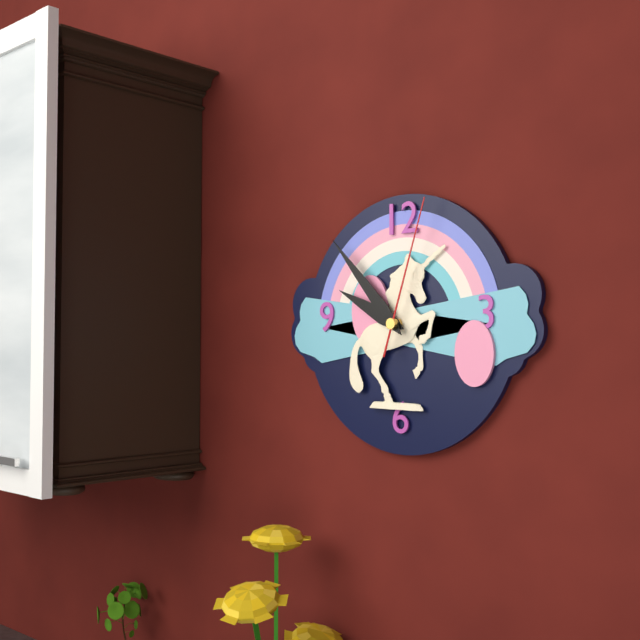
9 h 53 min 03 s
